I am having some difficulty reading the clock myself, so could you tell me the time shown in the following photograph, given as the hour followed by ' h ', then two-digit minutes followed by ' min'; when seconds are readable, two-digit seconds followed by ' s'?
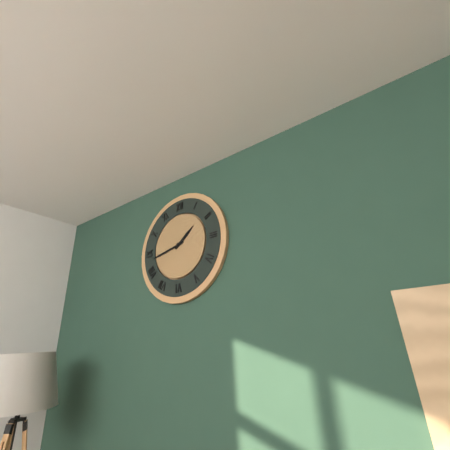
1 h 43 min
